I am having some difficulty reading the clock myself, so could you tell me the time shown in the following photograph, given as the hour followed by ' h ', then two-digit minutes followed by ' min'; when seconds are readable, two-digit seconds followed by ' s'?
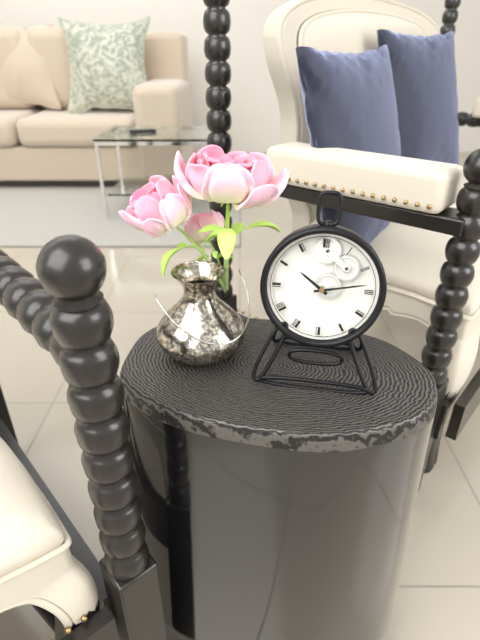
10 h 13 min
